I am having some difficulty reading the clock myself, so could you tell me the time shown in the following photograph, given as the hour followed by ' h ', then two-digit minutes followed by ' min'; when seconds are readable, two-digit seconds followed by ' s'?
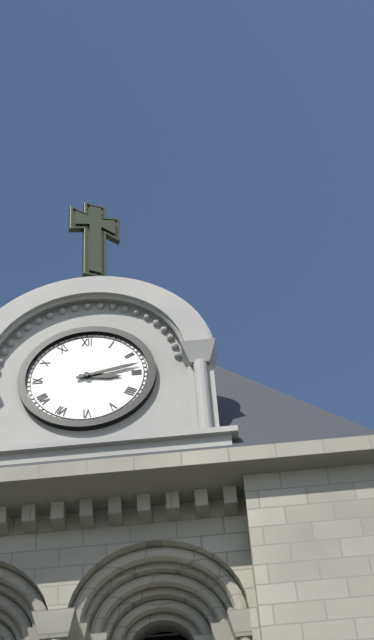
3 h 13 min
